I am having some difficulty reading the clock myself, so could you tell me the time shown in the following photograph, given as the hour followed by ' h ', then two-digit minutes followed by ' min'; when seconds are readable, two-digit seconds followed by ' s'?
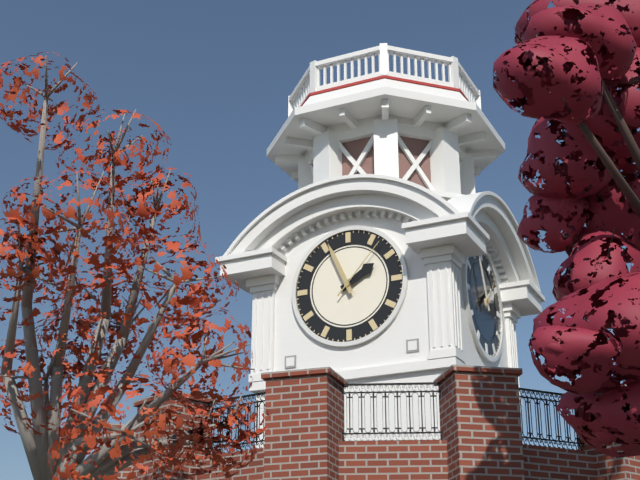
1 h 56 min 07 s
